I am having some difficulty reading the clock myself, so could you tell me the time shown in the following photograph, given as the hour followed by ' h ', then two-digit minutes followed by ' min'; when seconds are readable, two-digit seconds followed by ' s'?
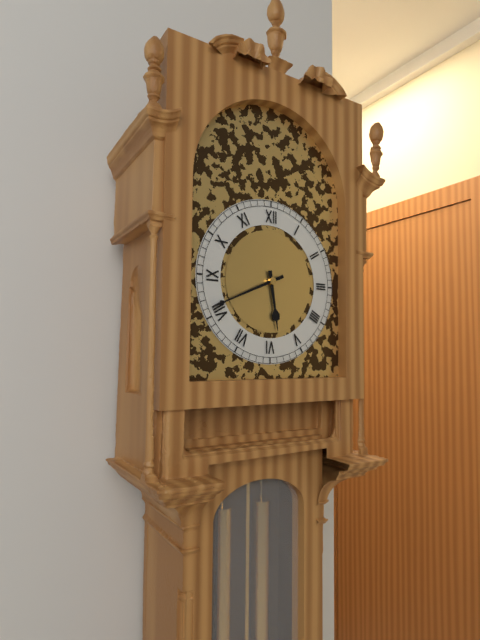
5 h 41 min
